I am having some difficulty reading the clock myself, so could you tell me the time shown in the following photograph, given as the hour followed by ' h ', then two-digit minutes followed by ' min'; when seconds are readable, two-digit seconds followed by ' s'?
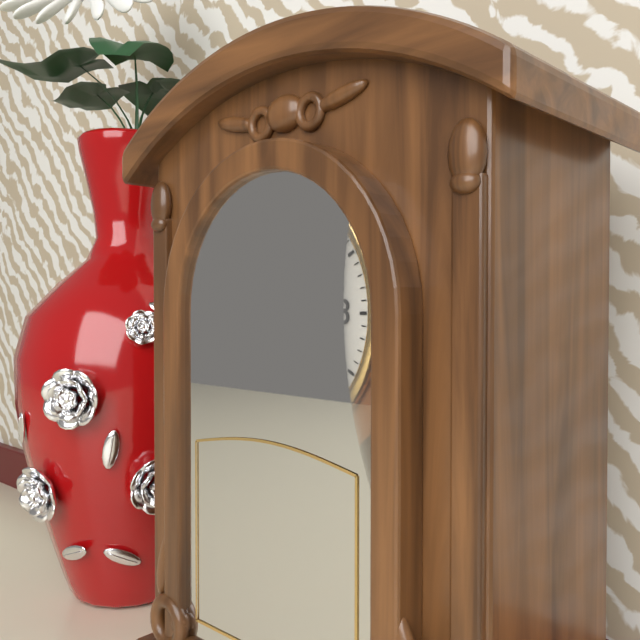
2 h 23 min
